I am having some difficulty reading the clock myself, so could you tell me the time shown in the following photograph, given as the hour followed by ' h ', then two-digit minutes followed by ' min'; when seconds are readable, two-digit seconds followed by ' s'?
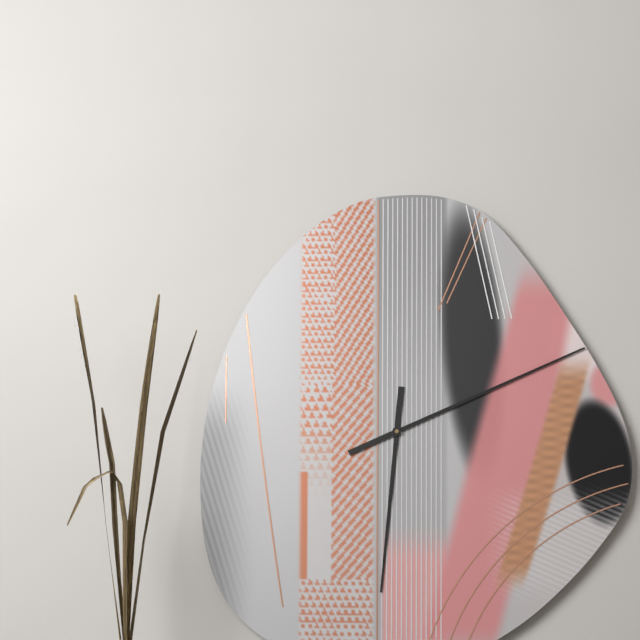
6 h 11 min
